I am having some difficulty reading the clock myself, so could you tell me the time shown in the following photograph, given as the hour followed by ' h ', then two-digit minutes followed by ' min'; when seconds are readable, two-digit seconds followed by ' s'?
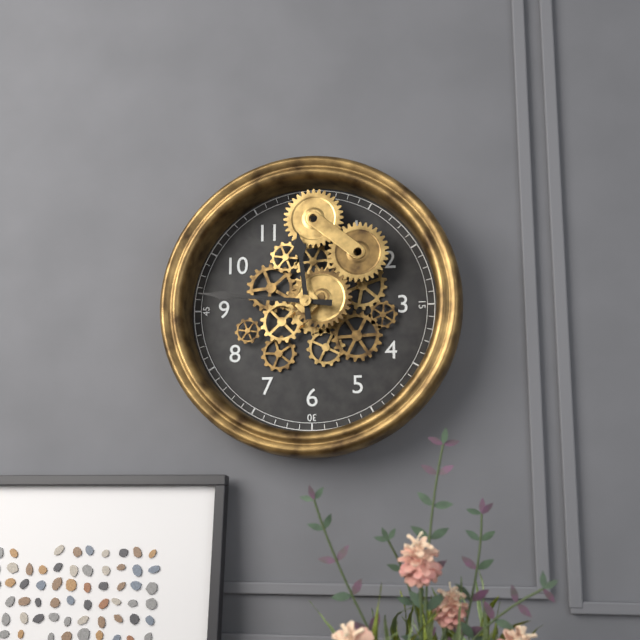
11 h 46 min
